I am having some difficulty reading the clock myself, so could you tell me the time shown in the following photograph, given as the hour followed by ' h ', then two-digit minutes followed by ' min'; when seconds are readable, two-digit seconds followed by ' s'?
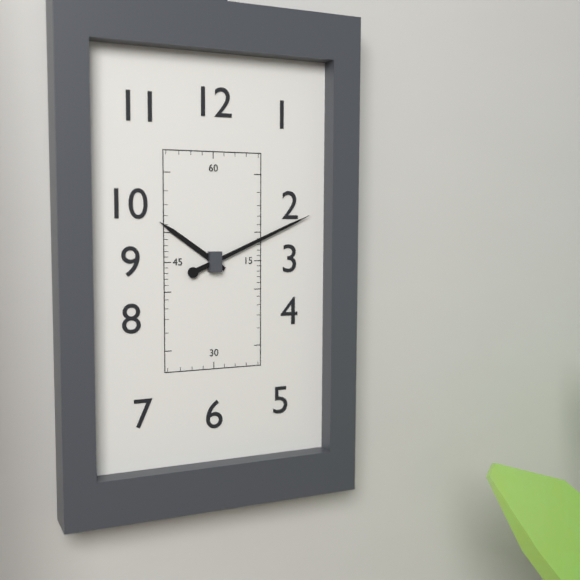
10 h 11 min
